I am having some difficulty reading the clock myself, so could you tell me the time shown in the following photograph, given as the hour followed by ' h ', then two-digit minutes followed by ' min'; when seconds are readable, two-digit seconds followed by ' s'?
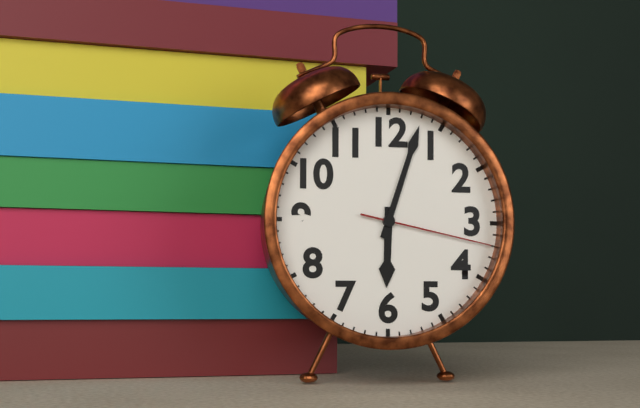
6 h 03 min 17 s
